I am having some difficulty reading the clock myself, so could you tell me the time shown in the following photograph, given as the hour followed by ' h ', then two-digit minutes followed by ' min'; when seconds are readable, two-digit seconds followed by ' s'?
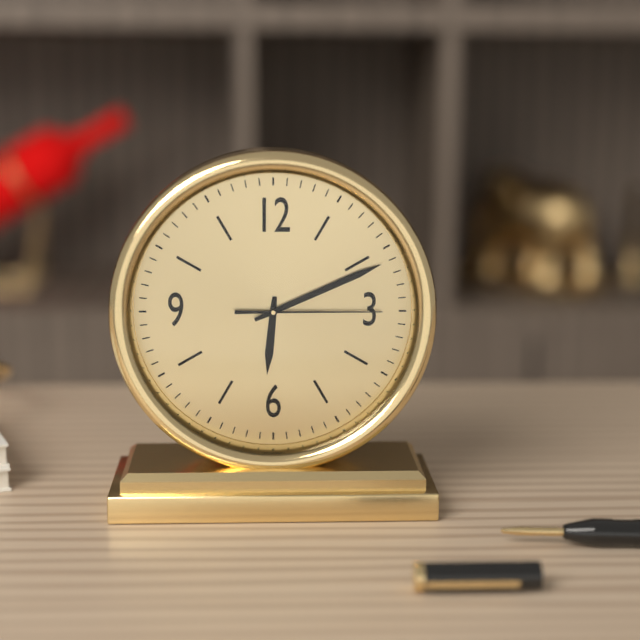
6 h 11 min 15 s
